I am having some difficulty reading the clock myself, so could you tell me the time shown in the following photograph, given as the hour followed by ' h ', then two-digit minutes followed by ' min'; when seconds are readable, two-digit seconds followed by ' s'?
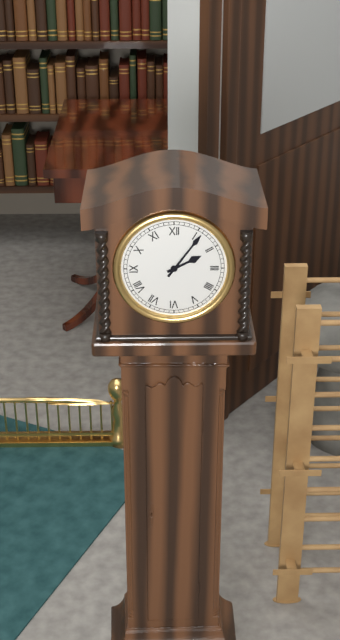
2 h 06 min
